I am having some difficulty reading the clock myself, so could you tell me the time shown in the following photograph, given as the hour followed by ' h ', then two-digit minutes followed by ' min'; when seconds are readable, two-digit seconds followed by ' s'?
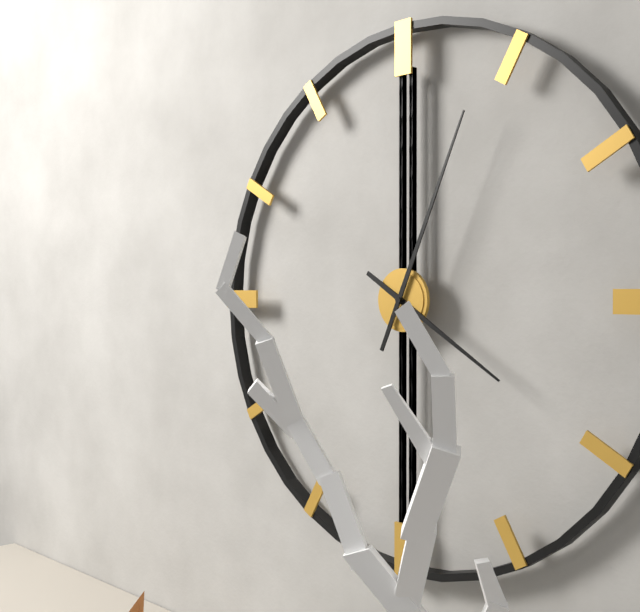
4 h 04 min
